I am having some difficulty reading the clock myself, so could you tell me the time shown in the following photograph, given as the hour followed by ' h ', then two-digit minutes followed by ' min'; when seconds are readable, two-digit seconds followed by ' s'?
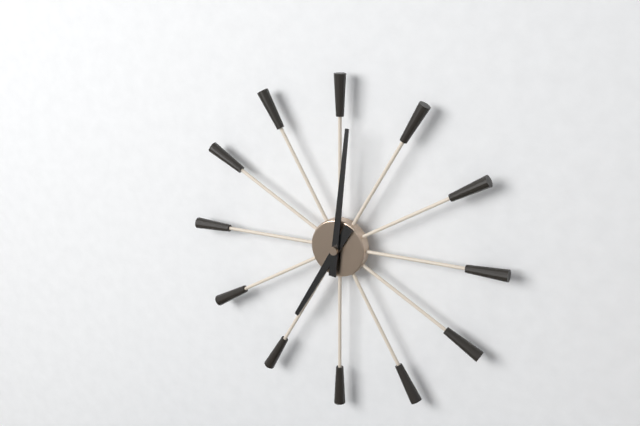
7 h 01 min
